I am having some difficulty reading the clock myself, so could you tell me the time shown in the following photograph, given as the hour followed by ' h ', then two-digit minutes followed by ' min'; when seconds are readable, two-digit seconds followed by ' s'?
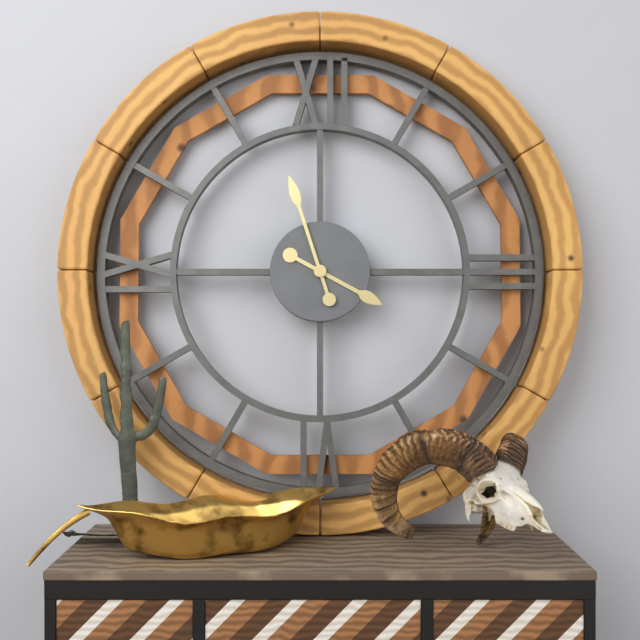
3 h 57 min
